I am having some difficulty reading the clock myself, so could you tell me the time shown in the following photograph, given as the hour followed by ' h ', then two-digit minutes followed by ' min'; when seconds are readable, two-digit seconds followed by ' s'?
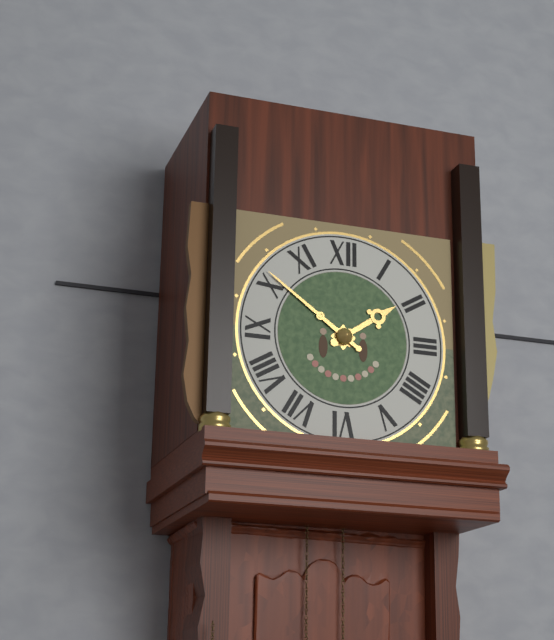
1 h 51 min
